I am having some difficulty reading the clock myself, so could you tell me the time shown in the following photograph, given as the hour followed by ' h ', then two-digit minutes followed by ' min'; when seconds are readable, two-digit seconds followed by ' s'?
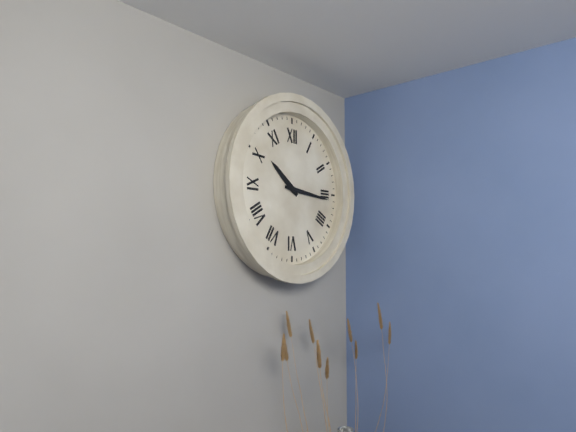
10 h 16 min
